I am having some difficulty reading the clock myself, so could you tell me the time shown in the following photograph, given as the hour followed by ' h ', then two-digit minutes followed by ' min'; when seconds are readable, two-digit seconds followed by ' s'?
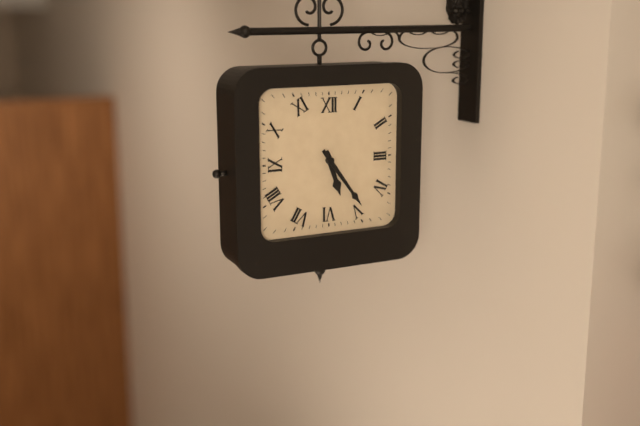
5 h 24 min
